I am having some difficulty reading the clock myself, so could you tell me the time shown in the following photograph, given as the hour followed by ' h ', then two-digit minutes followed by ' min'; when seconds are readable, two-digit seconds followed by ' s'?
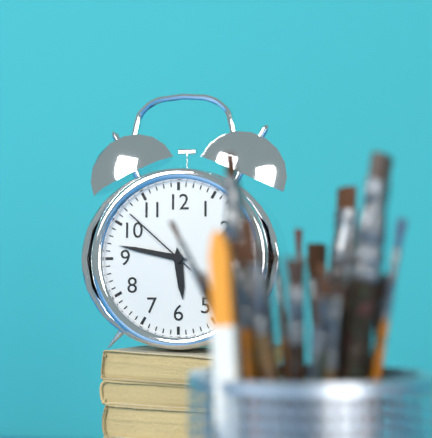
5 h 47 min 52 s
